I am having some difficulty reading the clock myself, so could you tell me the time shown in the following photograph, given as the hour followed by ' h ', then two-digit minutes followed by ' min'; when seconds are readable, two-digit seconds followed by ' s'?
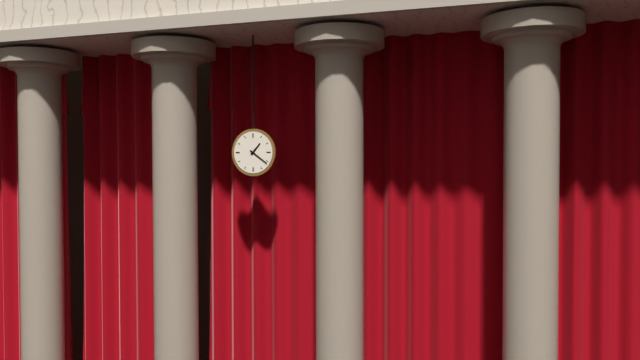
1 h 21 min
